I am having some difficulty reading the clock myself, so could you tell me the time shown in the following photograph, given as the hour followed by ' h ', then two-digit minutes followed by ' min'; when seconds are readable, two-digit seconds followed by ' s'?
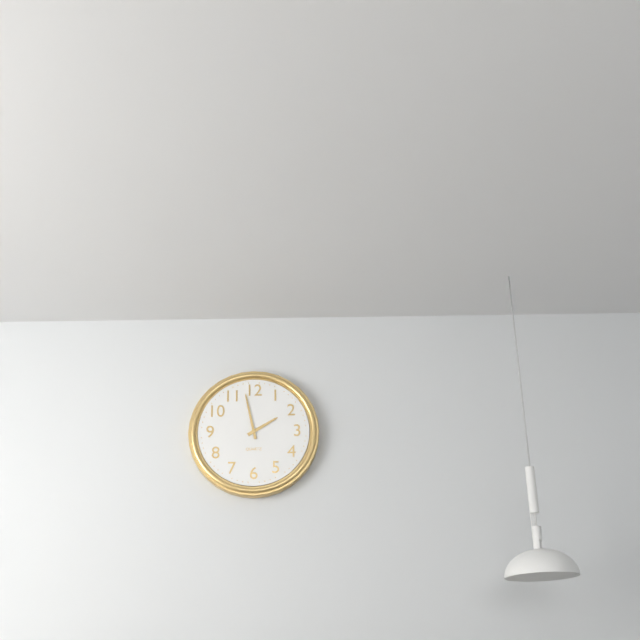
1 h 58 min
